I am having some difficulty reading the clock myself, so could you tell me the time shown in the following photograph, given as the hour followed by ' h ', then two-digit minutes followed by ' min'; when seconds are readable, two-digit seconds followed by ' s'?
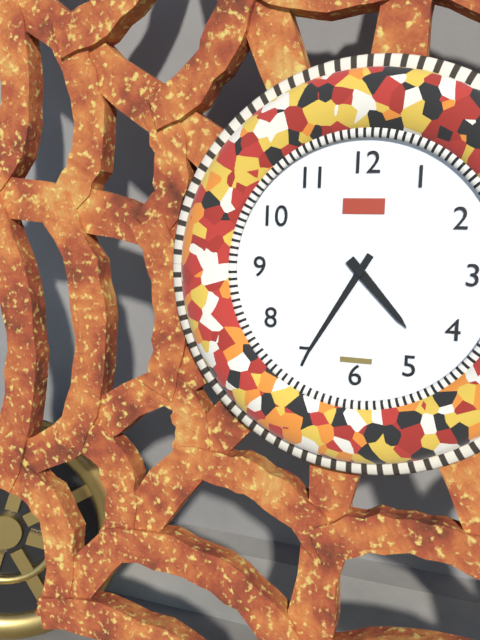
4 h 35 min
